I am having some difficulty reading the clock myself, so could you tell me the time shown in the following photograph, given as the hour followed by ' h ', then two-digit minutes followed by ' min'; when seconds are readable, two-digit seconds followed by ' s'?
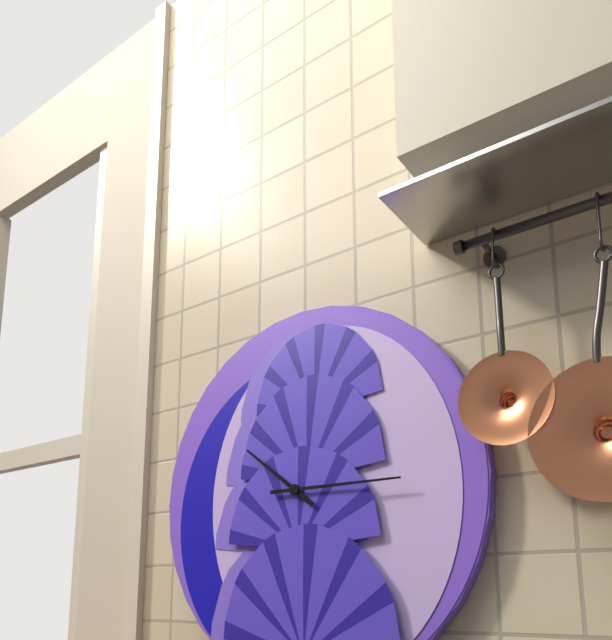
10 h 15 min
